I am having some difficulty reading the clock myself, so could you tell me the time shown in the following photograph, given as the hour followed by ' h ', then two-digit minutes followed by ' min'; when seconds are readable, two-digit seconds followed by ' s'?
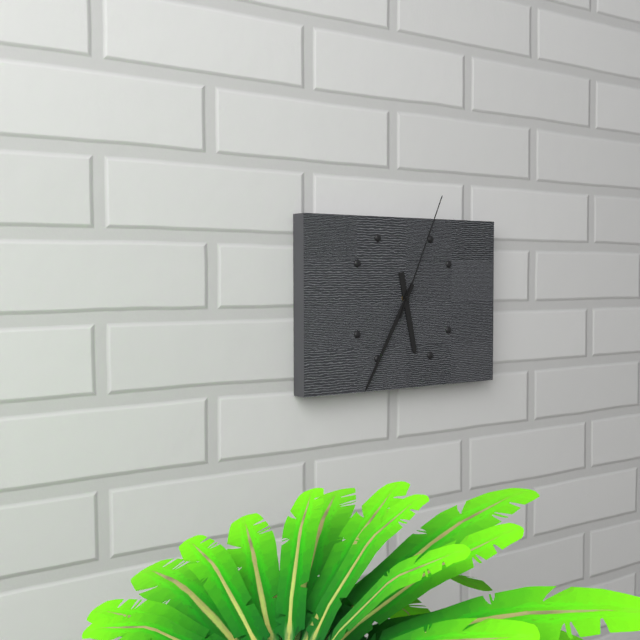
5 h 35 min 04 s
